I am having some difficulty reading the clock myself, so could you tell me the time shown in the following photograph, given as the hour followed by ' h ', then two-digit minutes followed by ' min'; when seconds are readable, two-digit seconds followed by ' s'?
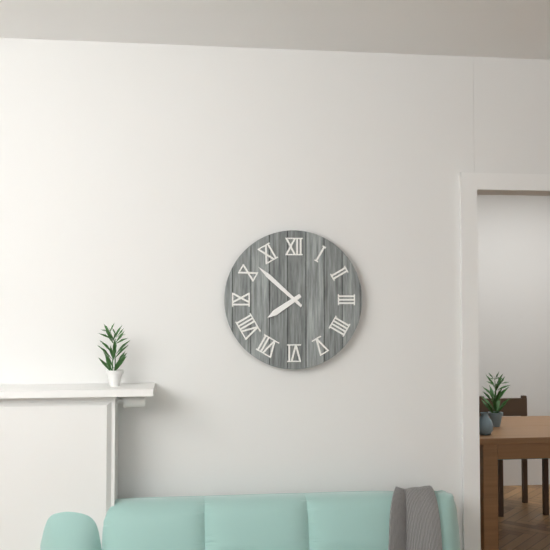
7 h 52 min
